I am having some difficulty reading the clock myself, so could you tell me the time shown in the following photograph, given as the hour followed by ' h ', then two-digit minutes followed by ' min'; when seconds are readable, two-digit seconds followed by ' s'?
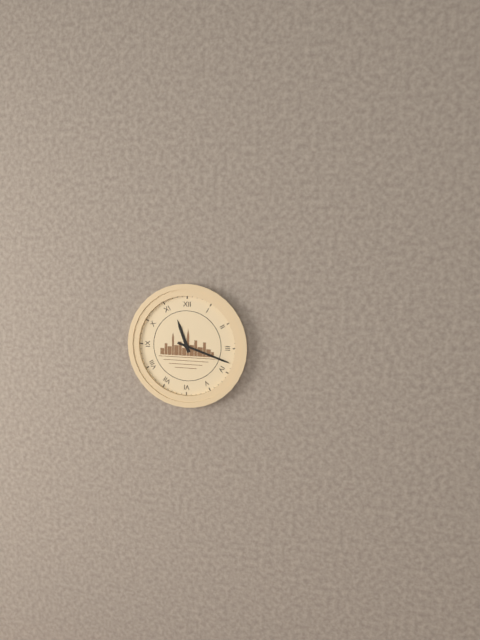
11 h 18 min
